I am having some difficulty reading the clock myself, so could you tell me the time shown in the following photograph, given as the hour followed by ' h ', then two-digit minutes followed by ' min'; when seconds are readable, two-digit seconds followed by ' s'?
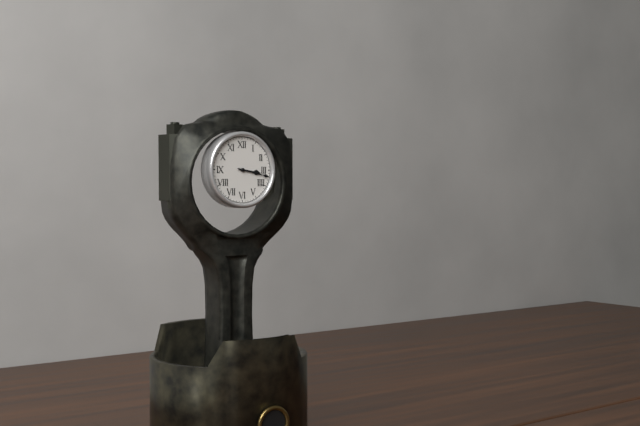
3 h 17 min
